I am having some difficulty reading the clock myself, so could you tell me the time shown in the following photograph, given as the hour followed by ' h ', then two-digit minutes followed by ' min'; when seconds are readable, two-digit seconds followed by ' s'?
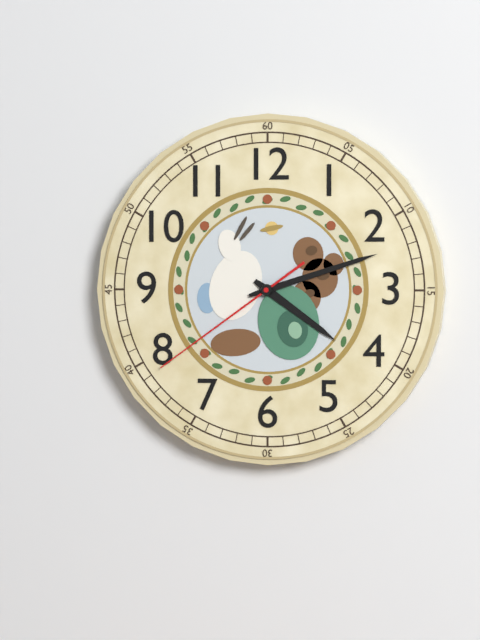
4 h 12 min 39 s
